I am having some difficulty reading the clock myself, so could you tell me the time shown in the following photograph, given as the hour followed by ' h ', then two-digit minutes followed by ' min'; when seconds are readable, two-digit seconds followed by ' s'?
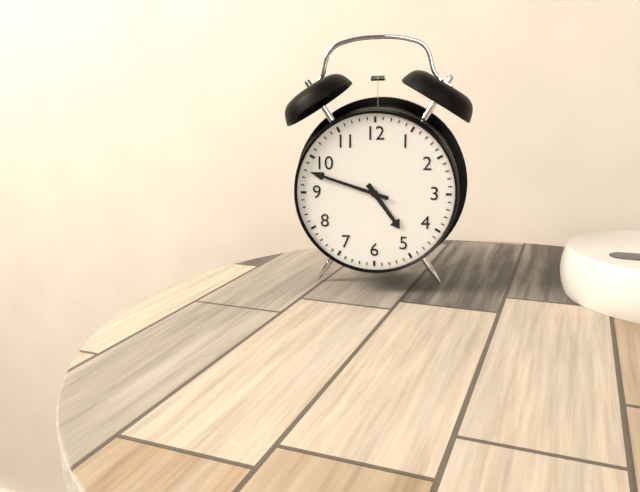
4 h 48 min
